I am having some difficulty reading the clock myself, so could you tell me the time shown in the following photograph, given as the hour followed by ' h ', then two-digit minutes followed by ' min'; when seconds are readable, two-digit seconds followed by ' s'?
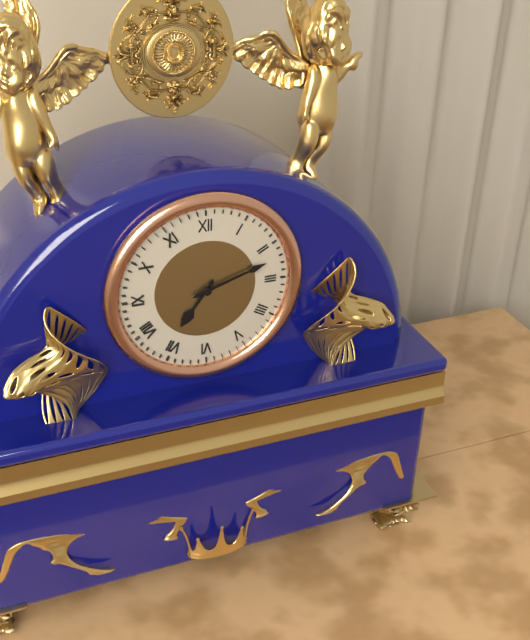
7 h 12 min
